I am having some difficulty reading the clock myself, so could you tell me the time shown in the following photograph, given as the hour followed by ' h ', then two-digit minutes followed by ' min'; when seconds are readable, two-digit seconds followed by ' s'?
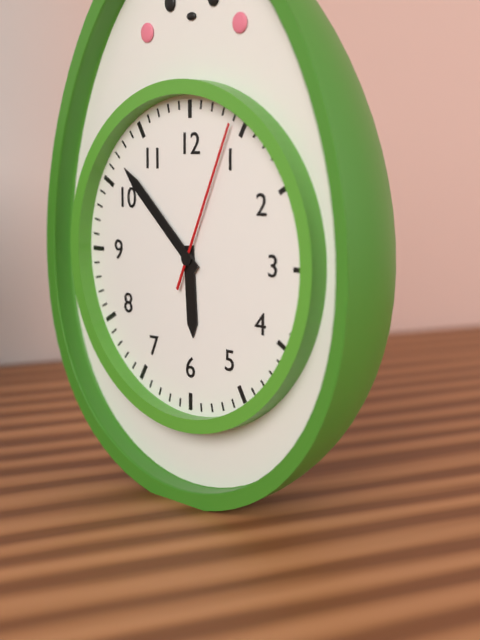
5 h 52 min 04 s
